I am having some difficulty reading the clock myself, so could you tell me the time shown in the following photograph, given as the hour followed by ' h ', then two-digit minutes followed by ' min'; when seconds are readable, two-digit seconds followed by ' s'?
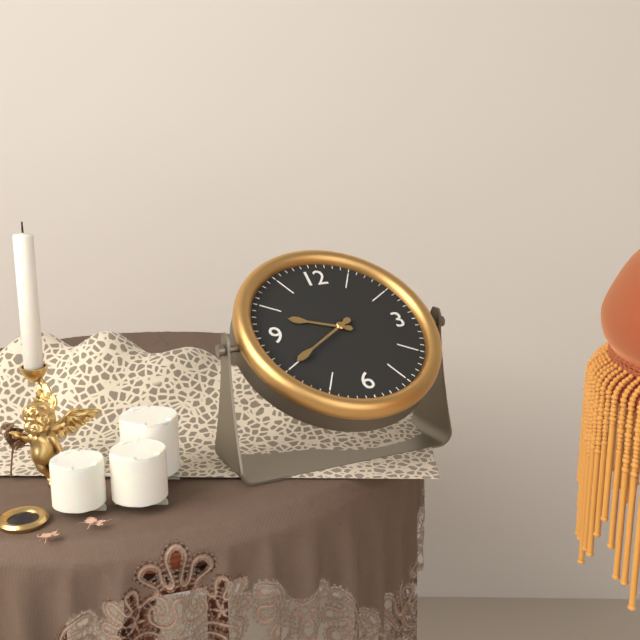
9 h 40 min
